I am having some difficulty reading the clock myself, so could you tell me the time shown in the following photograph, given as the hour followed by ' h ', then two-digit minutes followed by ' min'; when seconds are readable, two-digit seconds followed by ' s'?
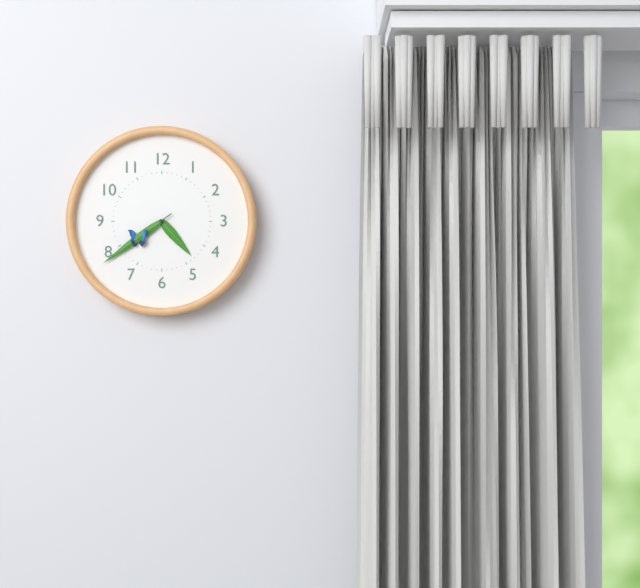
4 h 39 min
